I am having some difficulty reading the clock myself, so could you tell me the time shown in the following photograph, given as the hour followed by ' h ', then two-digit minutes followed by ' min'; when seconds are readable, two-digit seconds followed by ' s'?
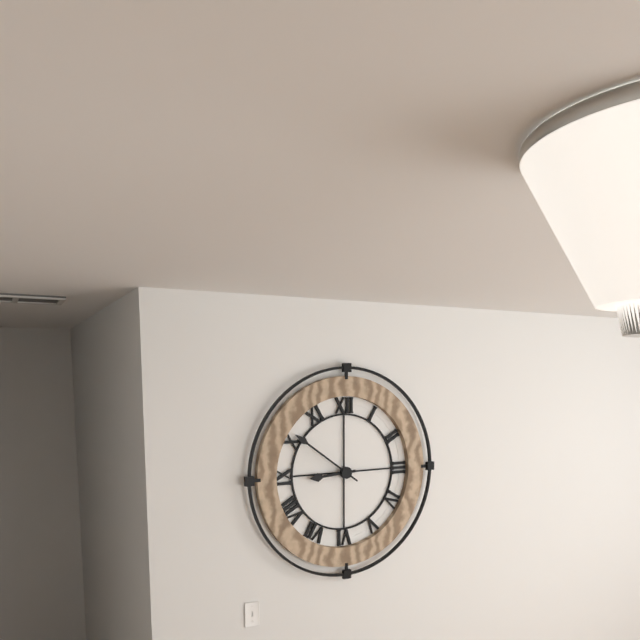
8 h 51 min
